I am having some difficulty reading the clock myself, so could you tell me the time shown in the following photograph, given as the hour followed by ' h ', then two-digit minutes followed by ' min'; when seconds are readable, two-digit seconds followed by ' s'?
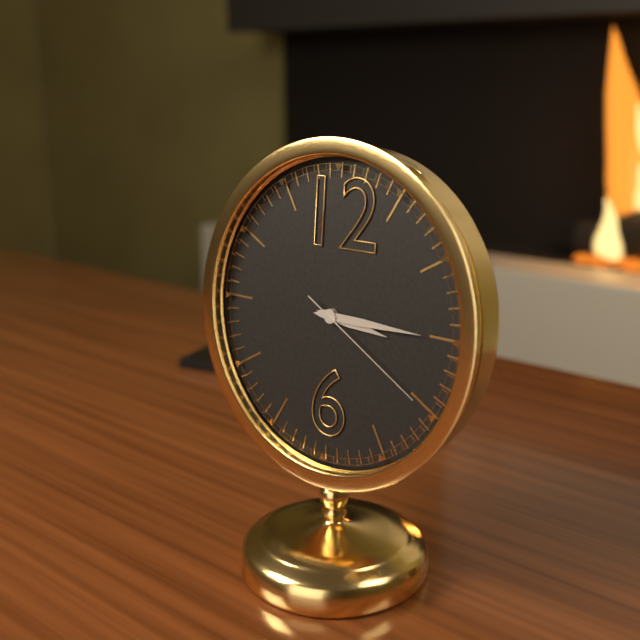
3 h 15 min 20 s
